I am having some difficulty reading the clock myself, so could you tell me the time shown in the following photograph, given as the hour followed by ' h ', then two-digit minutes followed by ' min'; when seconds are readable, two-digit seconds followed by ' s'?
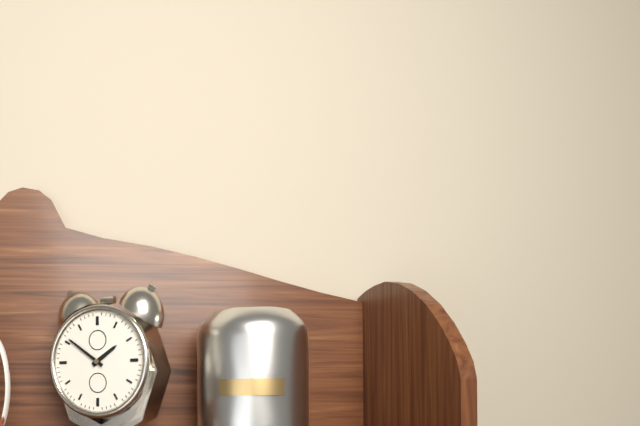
1 h 51 min
